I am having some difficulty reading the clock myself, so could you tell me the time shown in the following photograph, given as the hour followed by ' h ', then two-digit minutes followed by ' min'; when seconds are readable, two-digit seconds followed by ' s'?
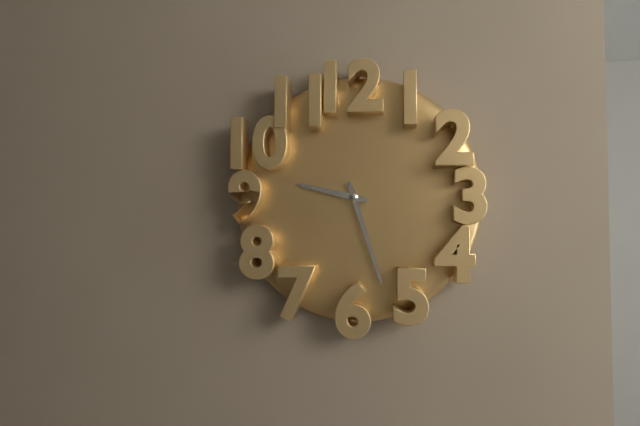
9 h 27 min
